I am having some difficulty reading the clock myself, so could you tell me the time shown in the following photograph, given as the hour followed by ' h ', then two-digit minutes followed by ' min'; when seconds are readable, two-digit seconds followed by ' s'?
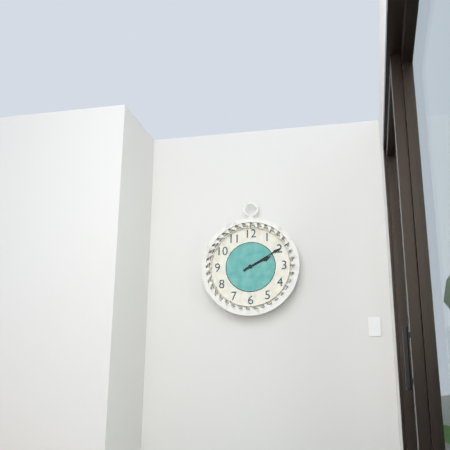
2 h 10 min
